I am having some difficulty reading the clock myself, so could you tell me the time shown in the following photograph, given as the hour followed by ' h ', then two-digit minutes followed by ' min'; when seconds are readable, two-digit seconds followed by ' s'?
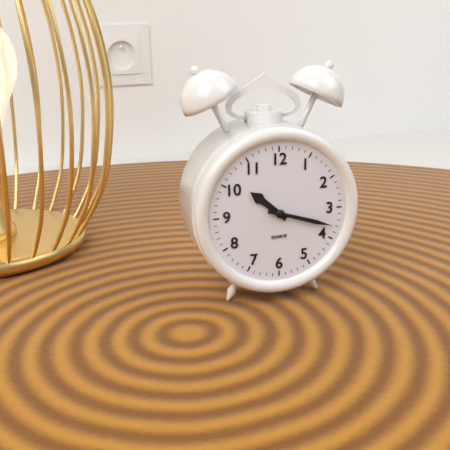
10 h 18 min
